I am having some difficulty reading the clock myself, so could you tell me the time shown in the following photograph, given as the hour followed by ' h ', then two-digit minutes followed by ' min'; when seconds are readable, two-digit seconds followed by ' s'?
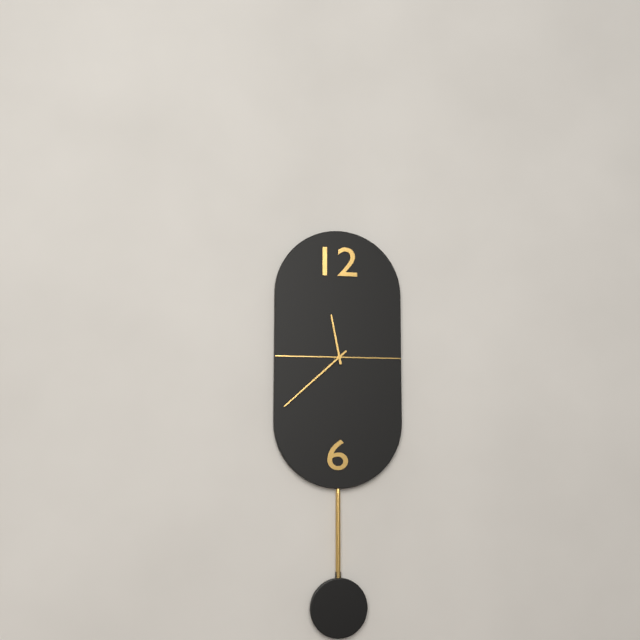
11 h 38 min
